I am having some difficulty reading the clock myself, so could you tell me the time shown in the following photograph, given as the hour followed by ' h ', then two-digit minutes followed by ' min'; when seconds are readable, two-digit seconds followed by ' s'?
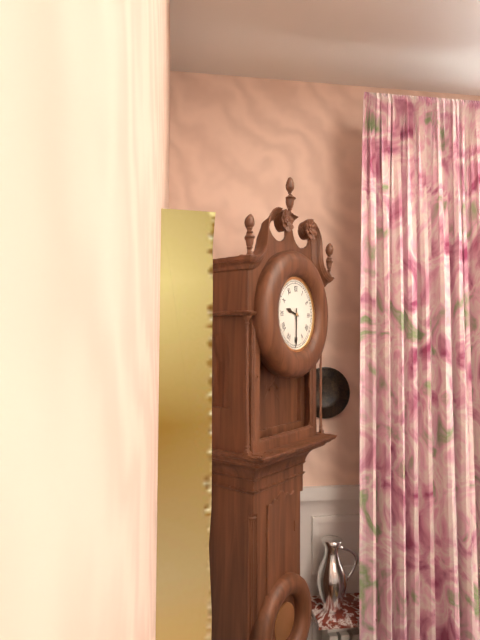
9 h 30 min
